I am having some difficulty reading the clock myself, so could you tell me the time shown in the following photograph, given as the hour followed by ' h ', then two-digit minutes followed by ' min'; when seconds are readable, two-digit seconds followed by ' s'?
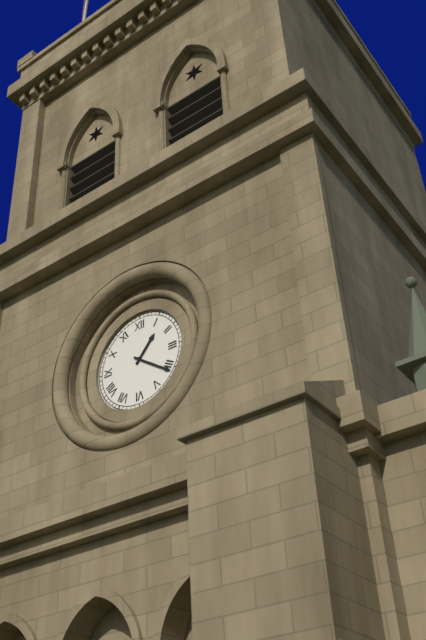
1 h 21 min
